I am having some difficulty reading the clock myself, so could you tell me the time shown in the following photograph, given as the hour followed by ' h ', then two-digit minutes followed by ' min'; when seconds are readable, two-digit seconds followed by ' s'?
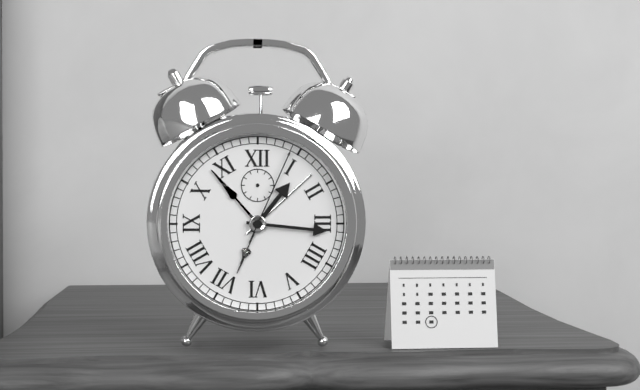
1 h 16 min 04 s
